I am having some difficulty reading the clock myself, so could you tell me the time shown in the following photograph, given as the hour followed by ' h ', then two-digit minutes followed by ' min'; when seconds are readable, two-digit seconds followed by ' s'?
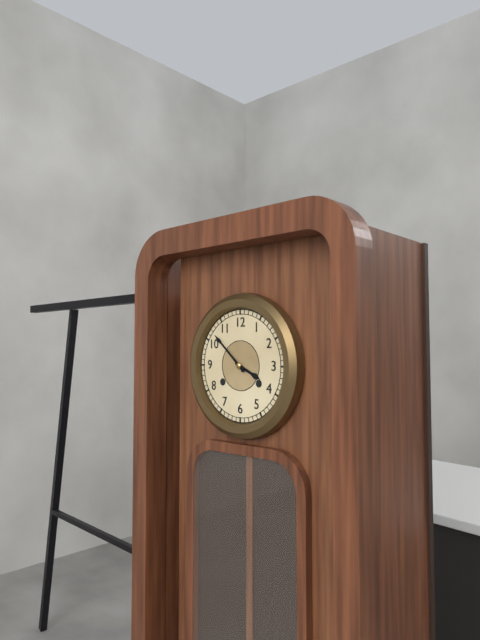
3 h 52 min
